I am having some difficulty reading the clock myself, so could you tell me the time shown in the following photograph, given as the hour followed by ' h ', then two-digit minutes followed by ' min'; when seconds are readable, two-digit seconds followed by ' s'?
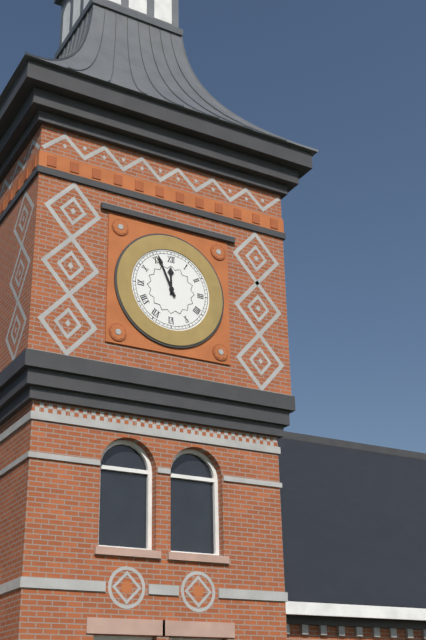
11 h 56 min
